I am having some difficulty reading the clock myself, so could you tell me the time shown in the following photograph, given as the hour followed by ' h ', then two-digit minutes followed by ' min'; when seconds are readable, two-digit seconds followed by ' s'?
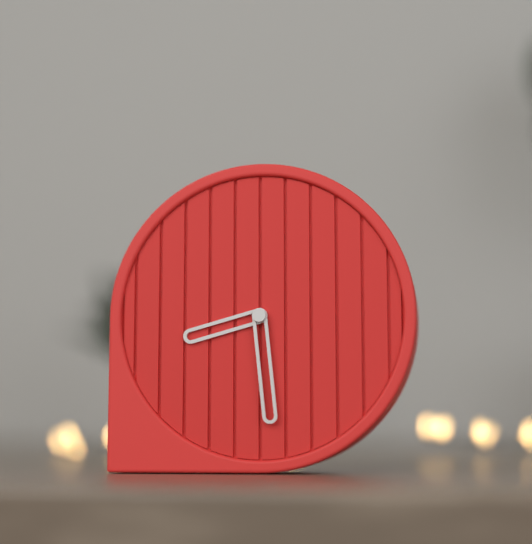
8 h 29 min
